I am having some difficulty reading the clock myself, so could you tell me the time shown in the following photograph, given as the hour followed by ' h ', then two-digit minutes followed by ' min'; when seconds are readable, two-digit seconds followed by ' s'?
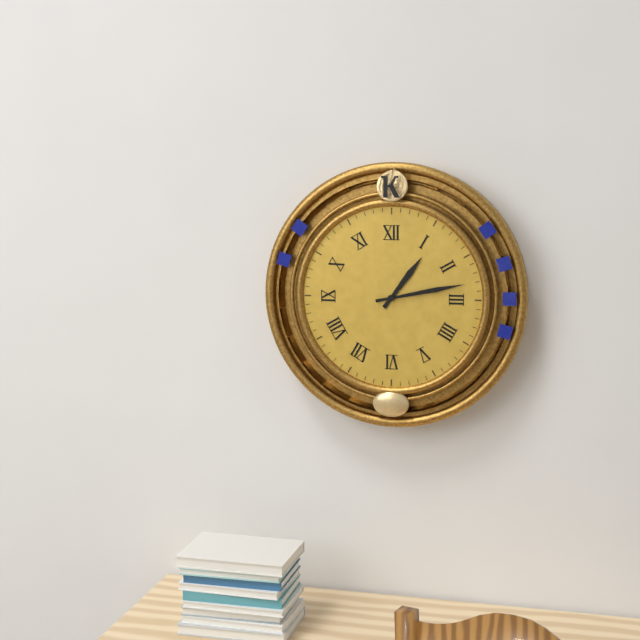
1 h 13 min
